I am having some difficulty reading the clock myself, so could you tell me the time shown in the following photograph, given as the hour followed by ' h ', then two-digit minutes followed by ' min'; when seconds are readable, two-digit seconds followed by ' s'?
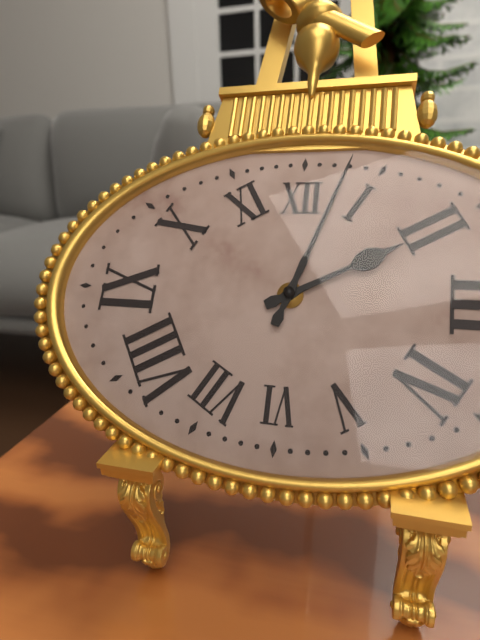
2 h 03 min
